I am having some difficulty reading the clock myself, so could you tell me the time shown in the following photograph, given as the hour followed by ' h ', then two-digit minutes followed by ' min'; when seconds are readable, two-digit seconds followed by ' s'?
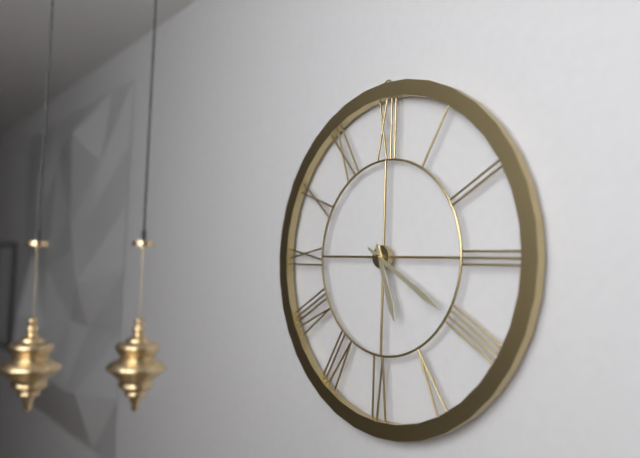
5 h 20 min
